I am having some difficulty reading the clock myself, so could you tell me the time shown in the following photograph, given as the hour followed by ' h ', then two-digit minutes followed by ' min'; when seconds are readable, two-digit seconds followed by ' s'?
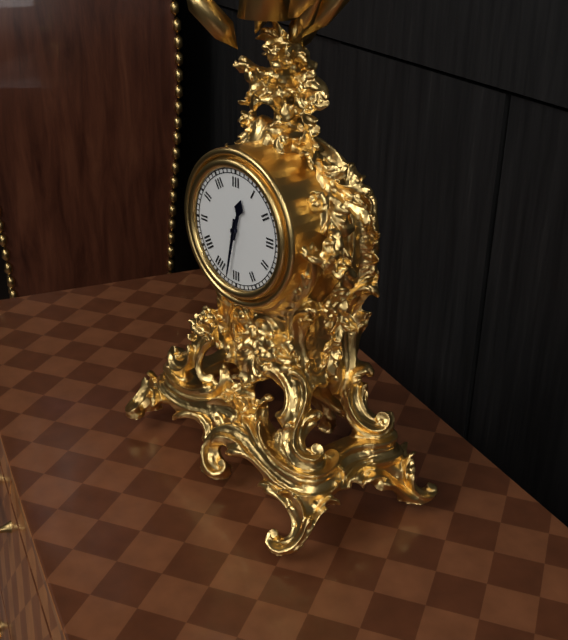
12 h 32 min
